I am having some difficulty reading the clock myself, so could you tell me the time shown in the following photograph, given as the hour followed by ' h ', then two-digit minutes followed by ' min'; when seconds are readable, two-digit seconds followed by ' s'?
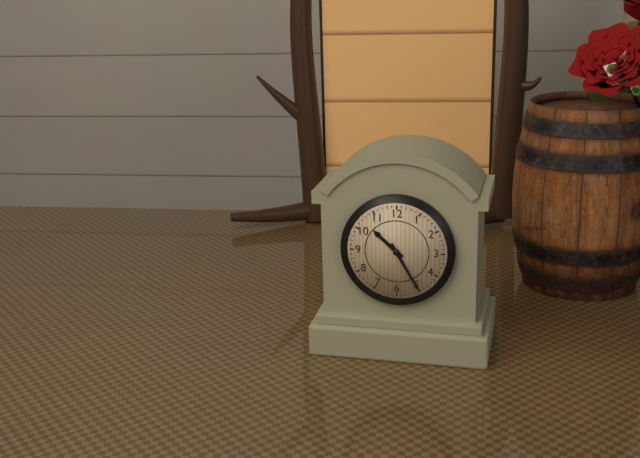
10 h 25 min
